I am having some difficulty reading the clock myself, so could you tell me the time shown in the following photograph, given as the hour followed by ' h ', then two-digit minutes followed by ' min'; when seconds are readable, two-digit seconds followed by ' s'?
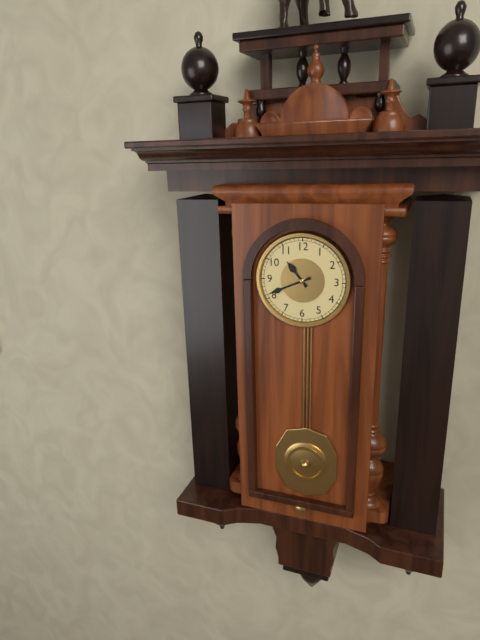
10 h 41 min
